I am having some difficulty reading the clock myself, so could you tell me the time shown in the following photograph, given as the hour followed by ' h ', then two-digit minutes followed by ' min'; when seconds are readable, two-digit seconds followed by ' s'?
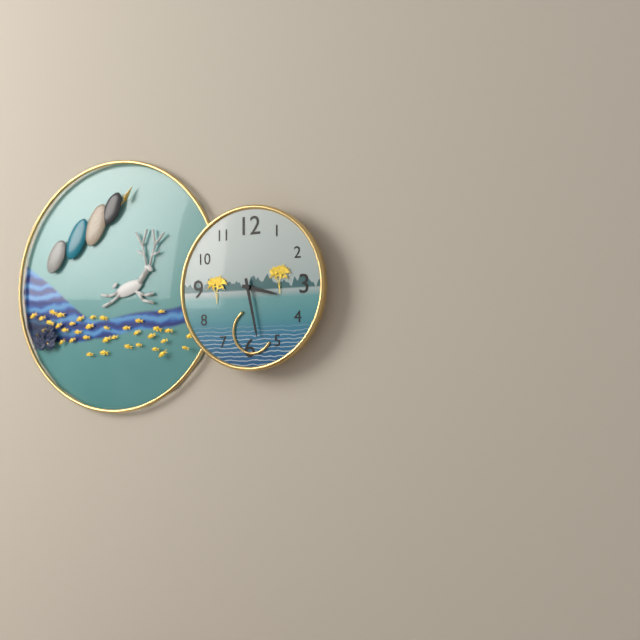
3 h 28 min
